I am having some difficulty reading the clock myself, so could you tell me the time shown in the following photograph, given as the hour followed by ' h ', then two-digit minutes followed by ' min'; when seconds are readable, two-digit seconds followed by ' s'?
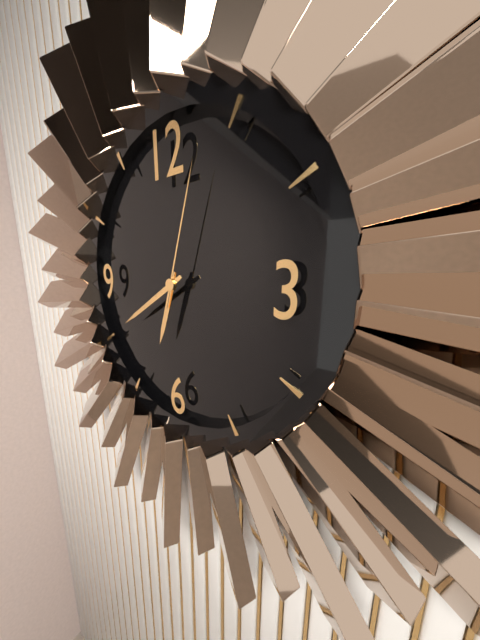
6 h 40 min 03 s
